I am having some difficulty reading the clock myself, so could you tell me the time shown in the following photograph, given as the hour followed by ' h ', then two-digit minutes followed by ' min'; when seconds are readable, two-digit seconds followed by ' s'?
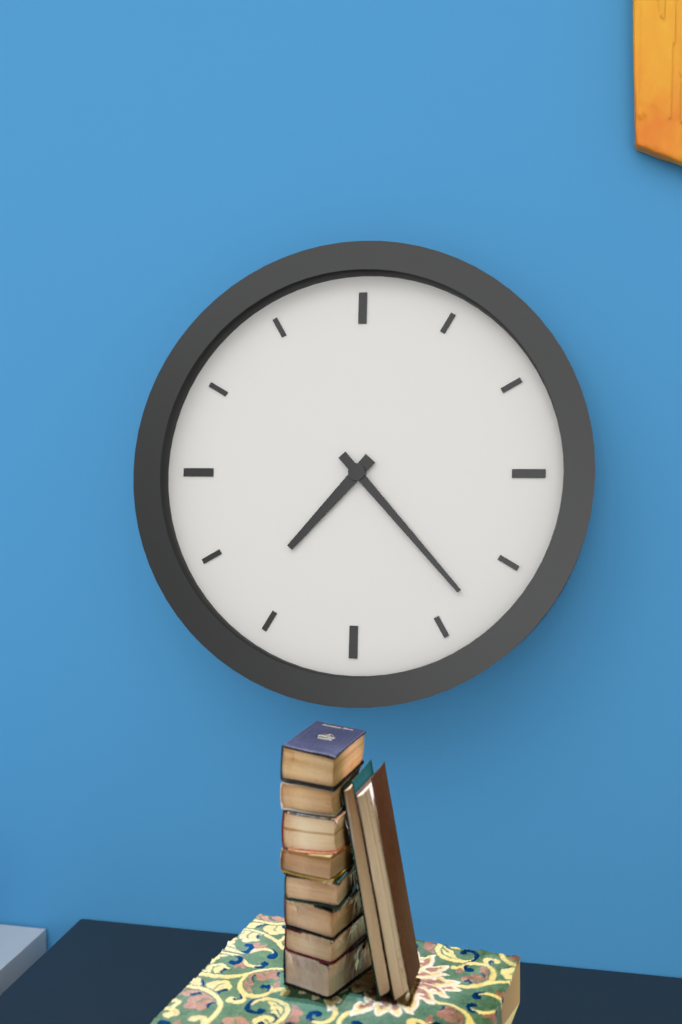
7 h 23 min
